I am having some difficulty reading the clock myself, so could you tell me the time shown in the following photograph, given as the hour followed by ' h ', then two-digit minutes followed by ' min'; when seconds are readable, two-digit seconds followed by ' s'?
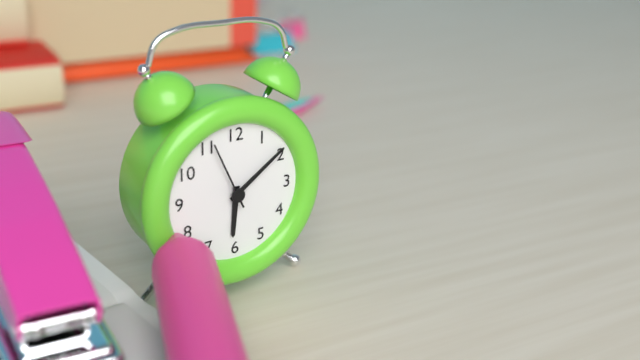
6 h 09 min 56 s
